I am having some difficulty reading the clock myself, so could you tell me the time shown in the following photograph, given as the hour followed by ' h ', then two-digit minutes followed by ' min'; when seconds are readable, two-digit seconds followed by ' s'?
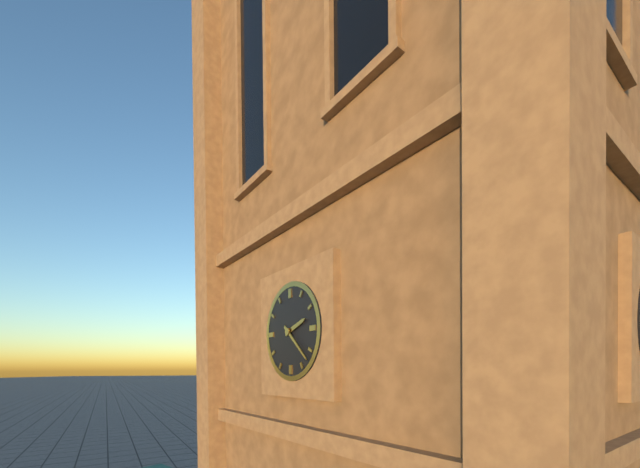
2 h 22 min
